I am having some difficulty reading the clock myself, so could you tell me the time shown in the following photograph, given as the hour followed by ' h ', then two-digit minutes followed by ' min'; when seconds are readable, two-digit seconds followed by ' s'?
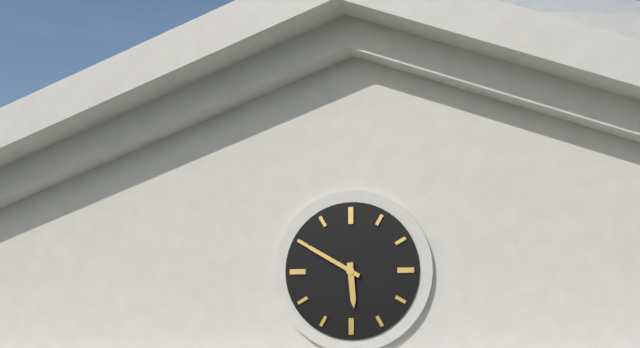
5 h 50 min
